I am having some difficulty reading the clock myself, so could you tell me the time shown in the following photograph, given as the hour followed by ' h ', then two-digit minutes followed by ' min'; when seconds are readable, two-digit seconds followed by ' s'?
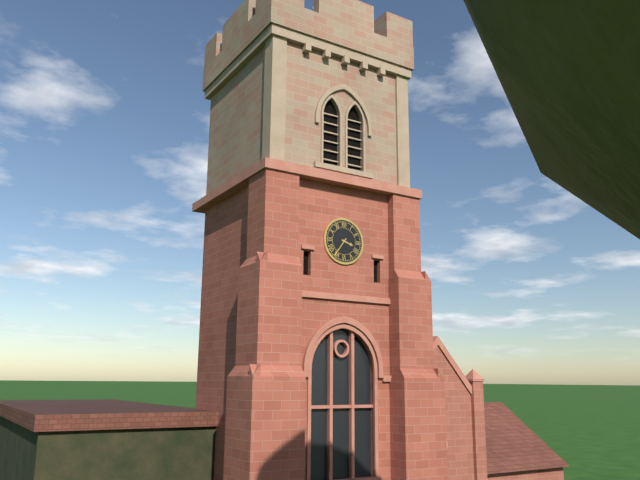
3 h 36 min
